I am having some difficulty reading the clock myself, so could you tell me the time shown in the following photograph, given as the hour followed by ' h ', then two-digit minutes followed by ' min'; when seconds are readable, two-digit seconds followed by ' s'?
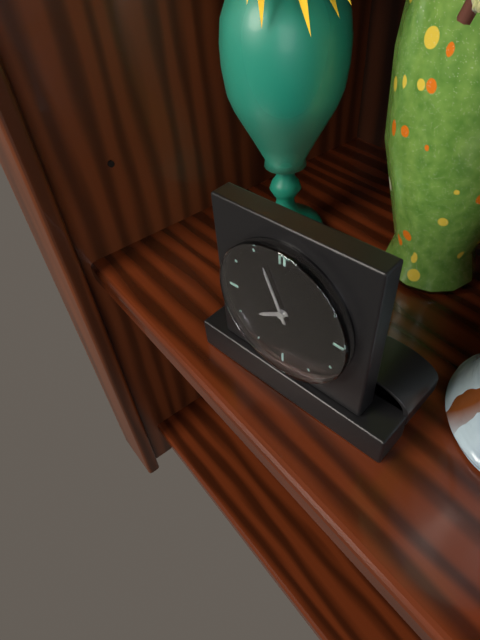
7 h 56 min
